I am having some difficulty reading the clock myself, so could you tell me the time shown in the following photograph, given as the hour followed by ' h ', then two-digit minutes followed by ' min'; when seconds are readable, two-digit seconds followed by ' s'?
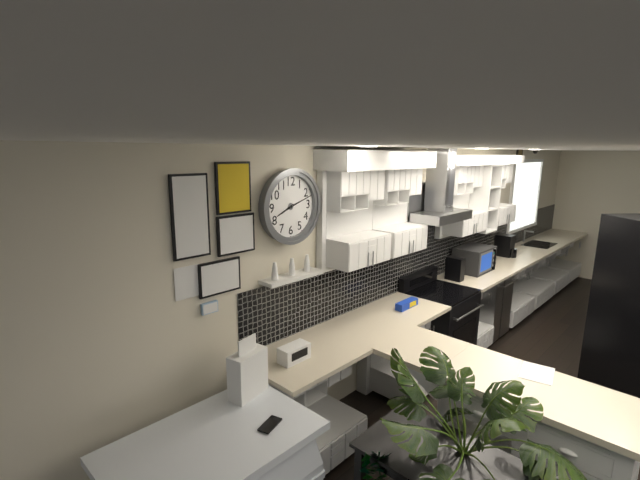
8 h 12 min
